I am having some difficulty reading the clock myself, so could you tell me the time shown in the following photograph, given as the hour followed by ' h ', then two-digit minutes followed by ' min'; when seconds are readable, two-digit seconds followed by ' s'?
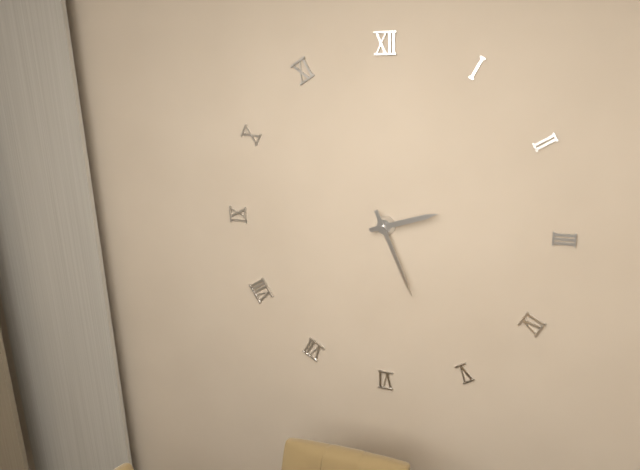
2 h 26 min
